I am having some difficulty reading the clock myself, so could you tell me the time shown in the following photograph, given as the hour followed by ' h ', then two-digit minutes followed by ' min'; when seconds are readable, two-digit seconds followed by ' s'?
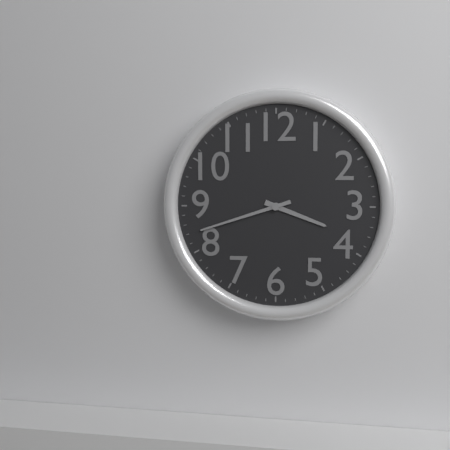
3 h 42 min
